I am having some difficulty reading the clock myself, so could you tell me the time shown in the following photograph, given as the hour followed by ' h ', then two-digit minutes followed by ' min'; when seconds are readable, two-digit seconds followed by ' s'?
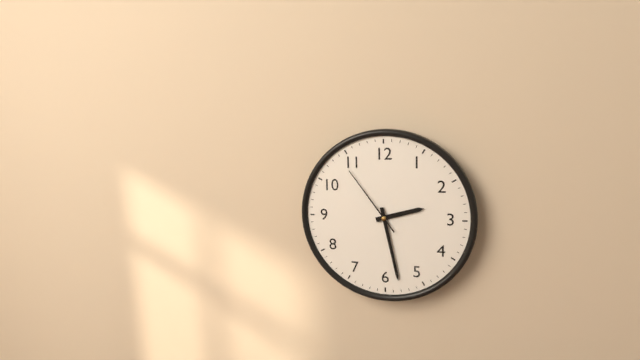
2 h 28 min 54 s
